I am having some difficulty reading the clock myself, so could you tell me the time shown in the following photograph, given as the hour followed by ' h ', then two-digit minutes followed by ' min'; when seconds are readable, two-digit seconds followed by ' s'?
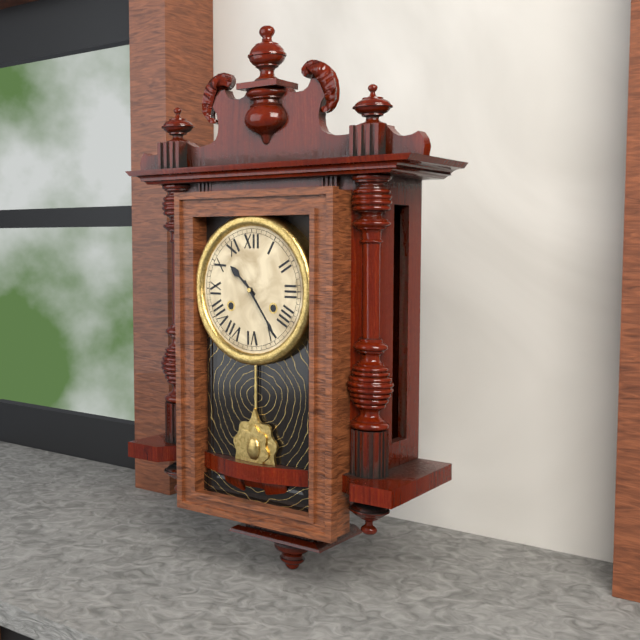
10 h 24 min
